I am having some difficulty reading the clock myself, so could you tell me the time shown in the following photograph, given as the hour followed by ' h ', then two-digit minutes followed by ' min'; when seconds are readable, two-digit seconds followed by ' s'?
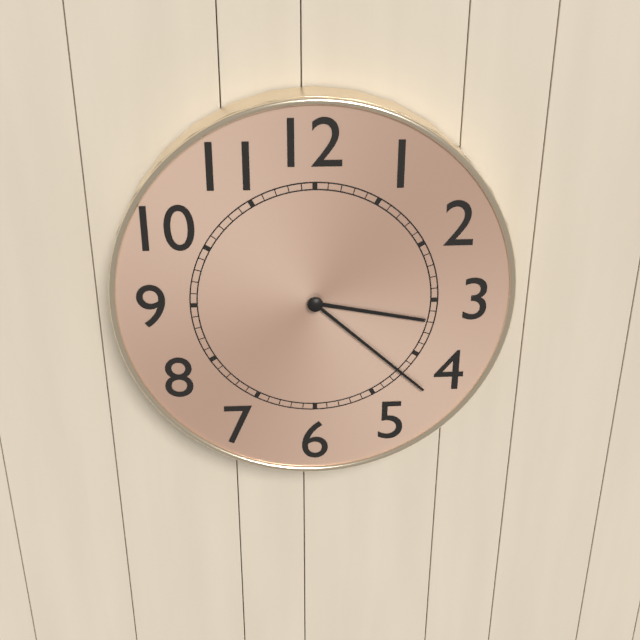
3 h 22 min
